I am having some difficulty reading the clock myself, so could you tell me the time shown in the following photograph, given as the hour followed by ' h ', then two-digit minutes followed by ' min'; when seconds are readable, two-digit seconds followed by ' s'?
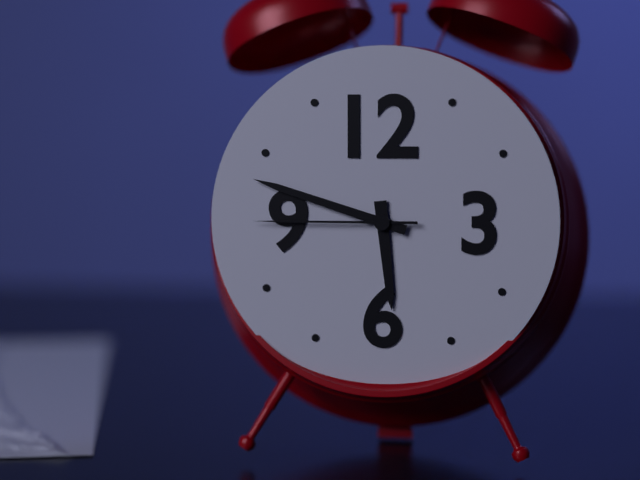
5 h 48 min 45 s
